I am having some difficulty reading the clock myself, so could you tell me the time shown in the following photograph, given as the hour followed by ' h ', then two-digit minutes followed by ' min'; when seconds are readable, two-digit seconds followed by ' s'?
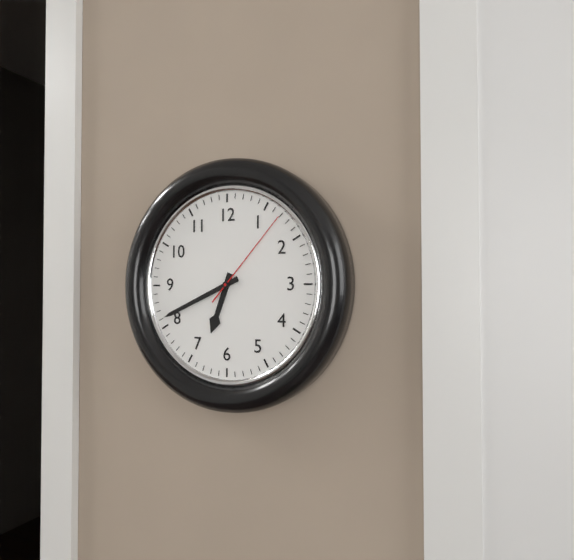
6 h 41 min 07 s
